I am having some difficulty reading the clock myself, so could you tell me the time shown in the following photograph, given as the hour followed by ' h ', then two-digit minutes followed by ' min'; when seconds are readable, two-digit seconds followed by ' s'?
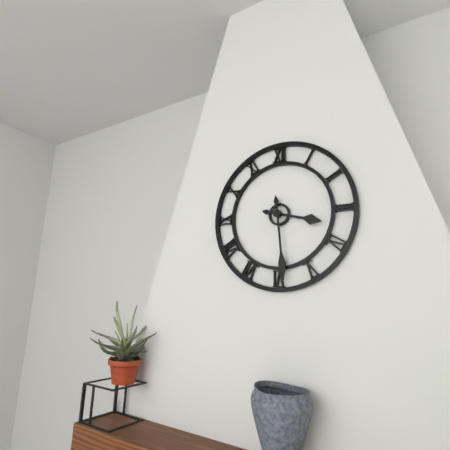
3 h 29 min
